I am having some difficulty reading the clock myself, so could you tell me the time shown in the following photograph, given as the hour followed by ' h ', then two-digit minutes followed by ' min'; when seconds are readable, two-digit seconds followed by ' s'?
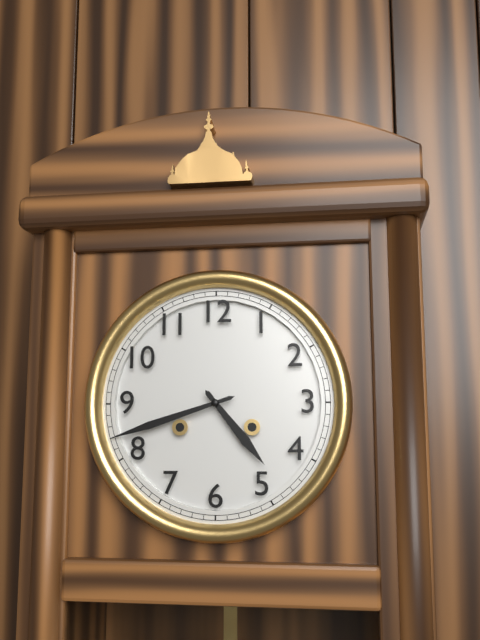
4 h 42 min
